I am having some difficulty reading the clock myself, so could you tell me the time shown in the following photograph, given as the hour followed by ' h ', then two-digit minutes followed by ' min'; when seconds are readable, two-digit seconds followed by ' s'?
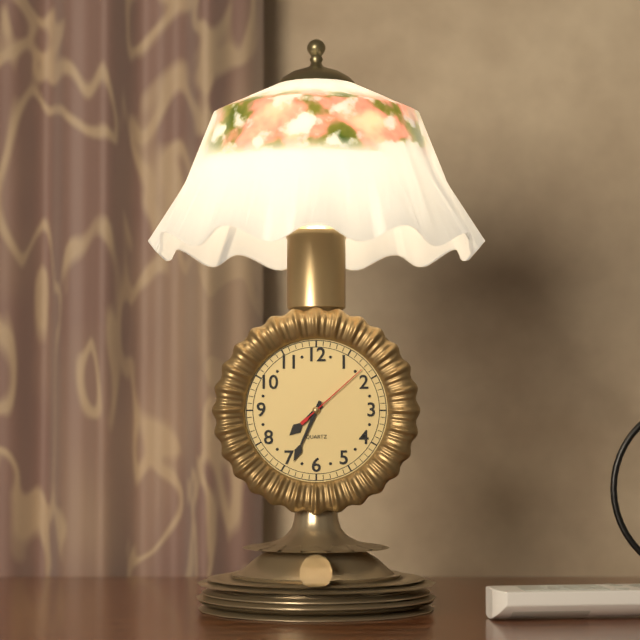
7 h 34 min 08 s
